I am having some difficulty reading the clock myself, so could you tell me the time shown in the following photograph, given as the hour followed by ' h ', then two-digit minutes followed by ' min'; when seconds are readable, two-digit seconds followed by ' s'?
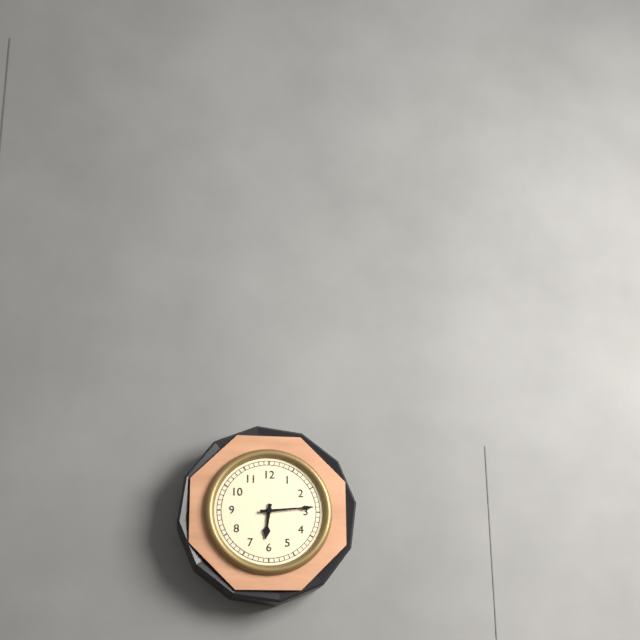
6 h 14 min
